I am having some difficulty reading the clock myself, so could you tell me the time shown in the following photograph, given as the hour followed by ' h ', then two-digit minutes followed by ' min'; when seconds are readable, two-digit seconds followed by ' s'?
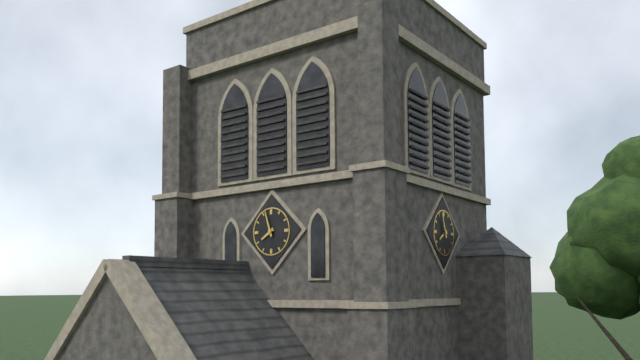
7 h 57 min
